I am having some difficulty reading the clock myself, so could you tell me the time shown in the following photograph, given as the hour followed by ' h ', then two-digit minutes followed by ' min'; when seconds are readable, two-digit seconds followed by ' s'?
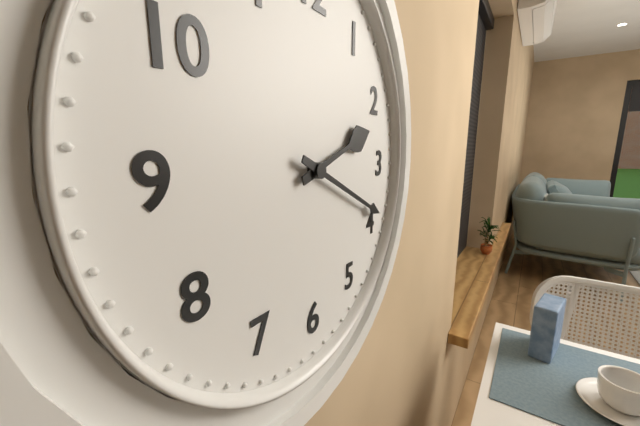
2 h 19 min
